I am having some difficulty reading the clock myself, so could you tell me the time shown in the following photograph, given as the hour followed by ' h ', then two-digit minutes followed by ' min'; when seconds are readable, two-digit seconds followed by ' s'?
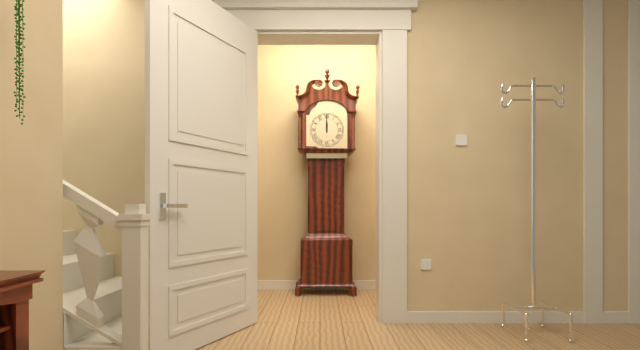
12 h 00 min
